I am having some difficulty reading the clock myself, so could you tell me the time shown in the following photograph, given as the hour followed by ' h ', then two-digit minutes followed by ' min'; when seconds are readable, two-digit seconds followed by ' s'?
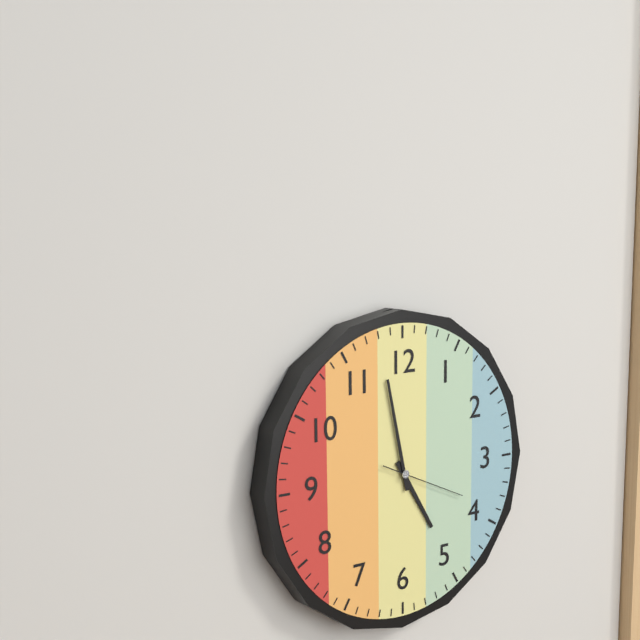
4 h 58 min 19 s
